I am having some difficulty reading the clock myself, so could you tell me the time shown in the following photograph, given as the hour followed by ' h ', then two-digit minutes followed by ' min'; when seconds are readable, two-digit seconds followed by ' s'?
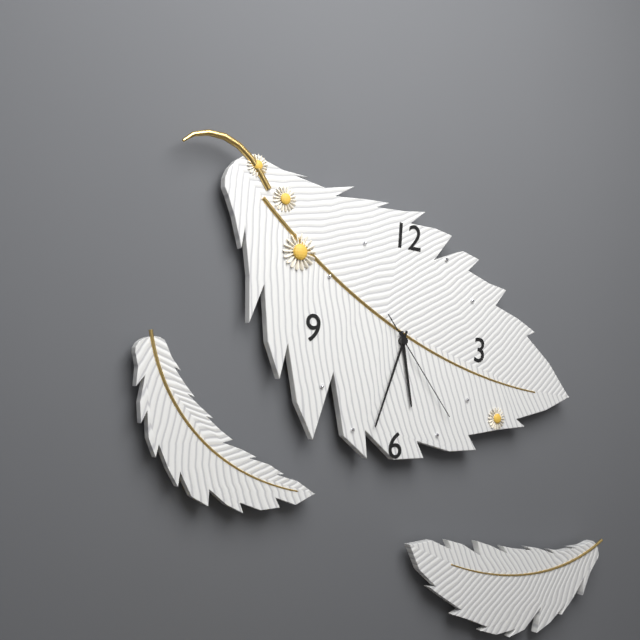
5 h 33 min 23 s
